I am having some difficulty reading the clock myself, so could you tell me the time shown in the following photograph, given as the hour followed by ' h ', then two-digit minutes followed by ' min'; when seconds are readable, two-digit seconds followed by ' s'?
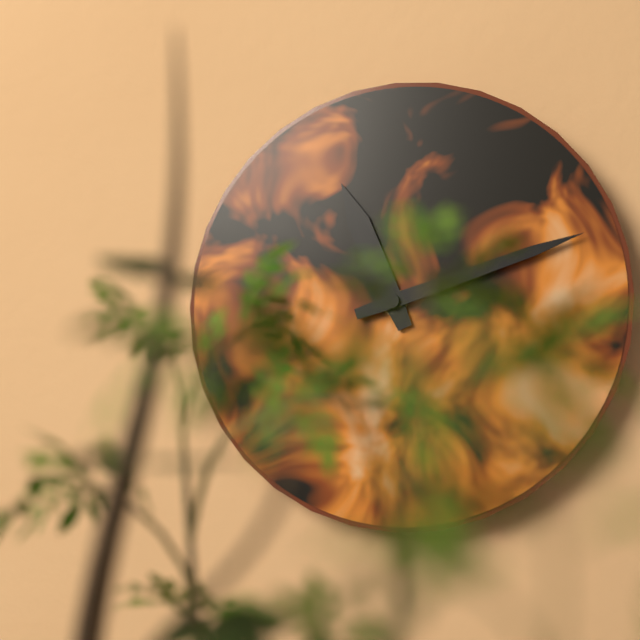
11 h 12 min
